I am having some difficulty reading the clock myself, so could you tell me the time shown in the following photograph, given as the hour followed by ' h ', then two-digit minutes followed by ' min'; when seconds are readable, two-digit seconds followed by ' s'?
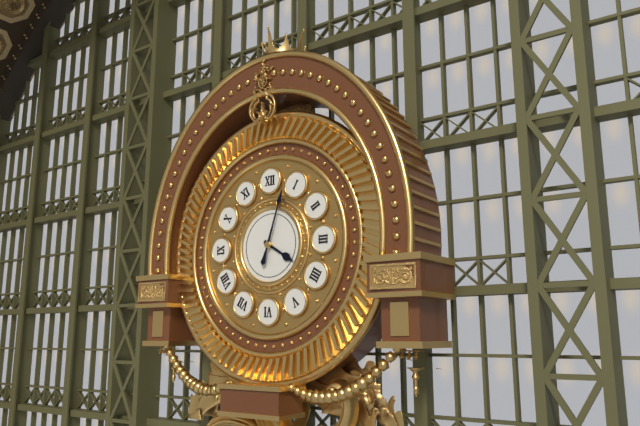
4 h 03 min
